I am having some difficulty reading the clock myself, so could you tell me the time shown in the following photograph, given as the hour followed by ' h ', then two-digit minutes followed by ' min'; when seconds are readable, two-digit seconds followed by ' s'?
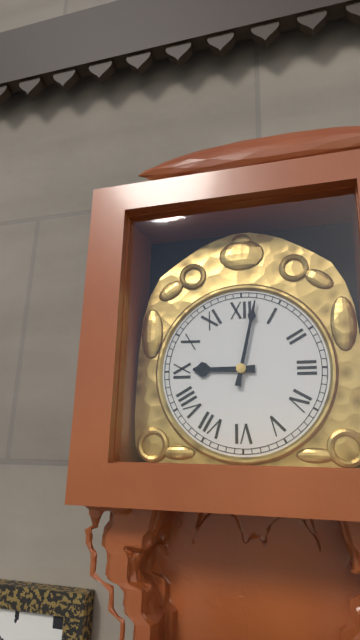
9 h 02 min
